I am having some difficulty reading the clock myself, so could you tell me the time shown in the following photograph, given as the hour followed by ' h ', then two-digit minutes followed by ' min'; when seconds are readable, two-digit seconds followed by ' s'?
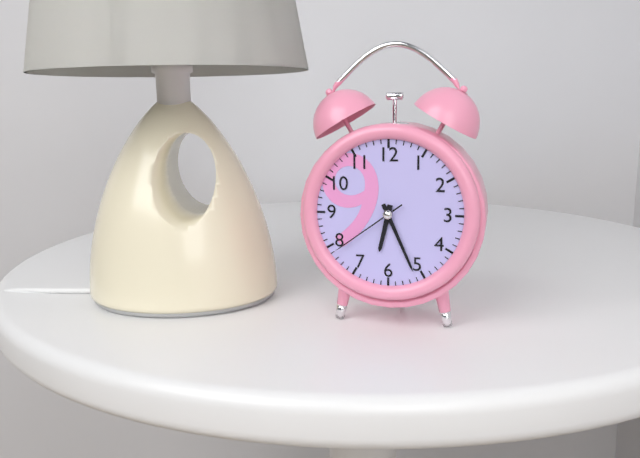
6 h 26 min 39 s
